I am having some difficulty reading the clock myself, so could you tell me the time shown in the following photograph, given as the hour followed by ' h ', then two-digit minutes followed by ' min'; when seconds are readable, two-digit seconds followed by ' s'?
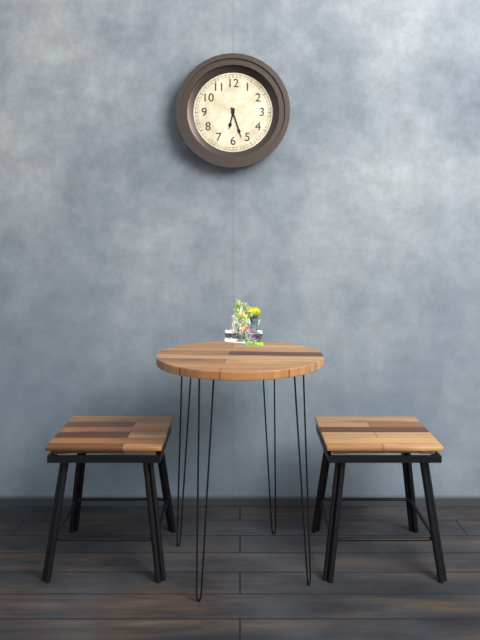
6 h 27 min
